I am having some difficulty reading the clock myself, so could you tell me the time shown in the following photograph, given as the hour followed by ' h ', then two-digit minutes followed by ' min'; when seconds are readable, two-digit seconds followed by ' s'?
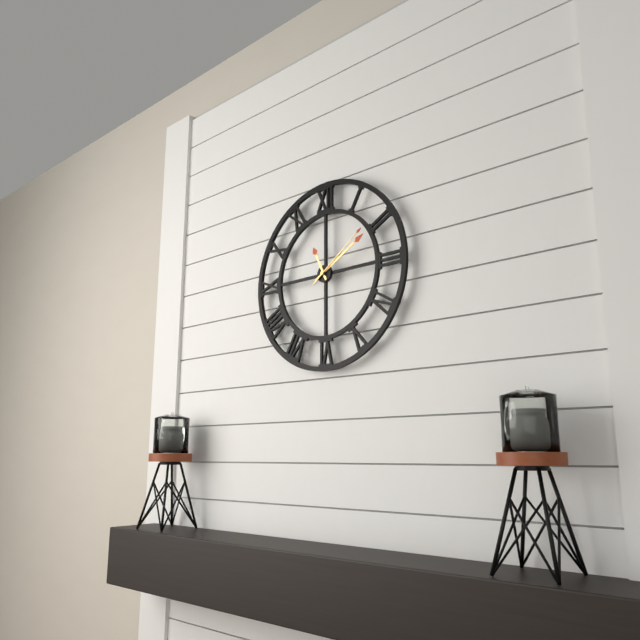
11 h 10 min 09 s
